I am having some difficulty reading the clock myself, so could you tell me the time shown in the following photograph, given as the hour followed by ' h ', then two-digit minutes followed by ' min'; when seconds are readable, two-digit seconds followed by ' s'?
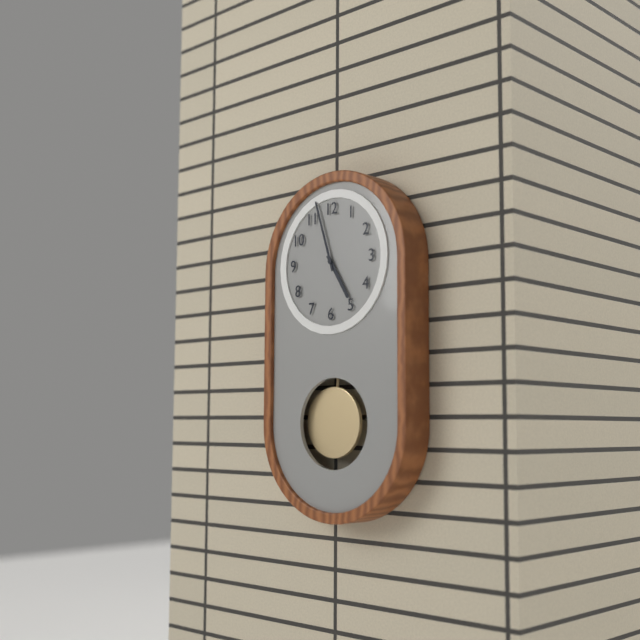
4 h 57 min
